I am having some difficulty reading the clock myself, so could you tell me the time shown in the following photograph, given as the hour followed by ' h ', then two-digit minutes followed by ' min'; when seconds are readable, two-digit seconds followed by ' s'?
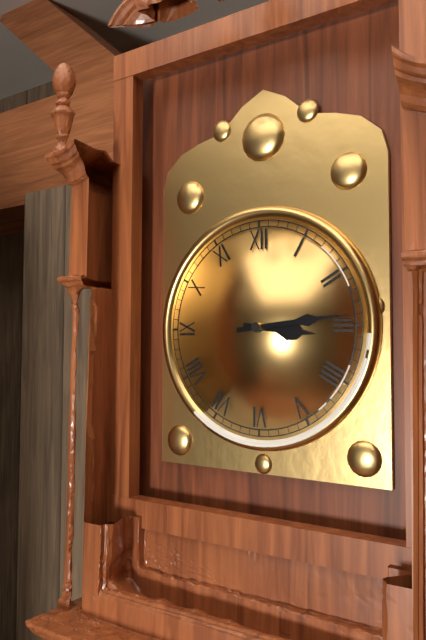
3 h 14 min
